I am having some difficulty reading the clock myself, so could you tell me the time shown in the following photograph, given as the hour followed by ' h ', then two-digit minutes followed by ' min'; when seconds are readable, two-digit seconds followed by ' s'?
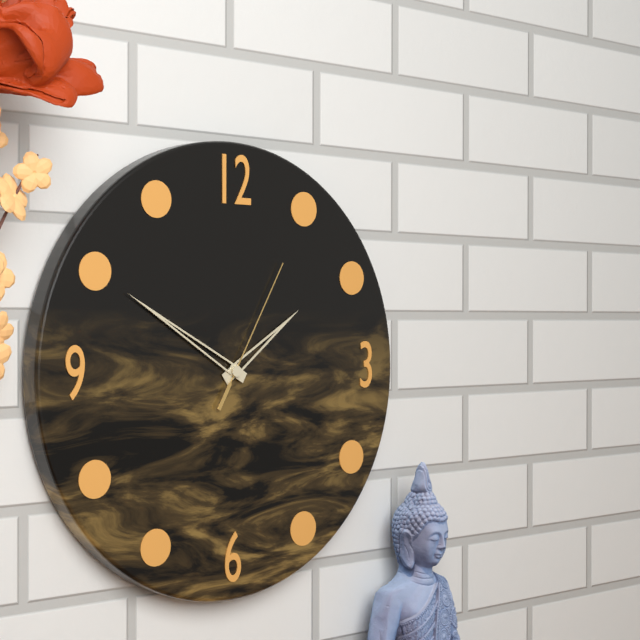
1 h 50 min 05 s
